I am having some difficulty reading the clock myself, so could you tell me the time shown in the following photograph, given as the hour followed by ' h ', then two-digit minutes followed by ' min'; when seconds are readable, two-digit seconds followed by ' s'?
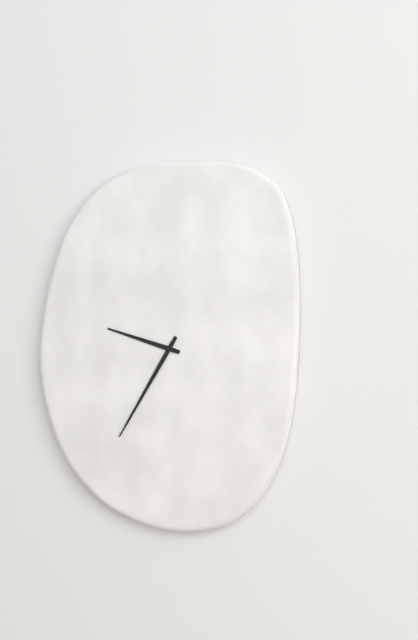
9 h 35 min
